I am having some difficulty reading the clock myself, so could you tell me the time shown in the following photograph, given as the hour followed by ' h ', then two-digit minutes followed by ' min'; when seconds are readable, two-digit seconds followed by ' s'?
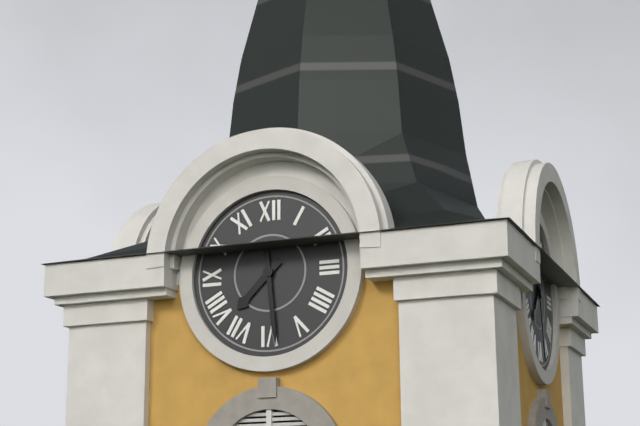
7 h 29 min
